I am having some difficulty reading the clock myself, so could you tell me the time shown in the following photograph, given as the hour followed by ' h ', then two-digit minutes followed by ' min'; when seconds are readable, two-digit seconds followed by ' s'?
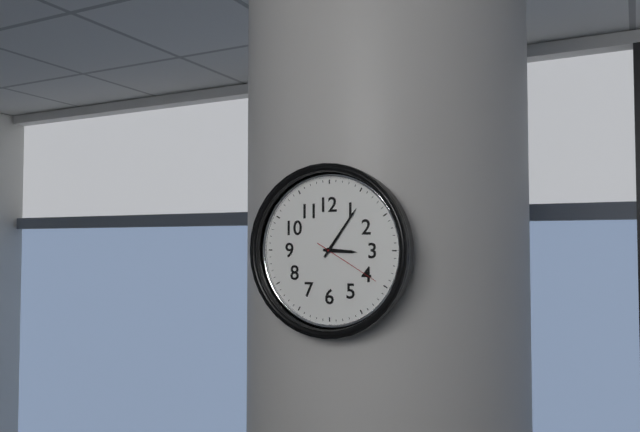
3 h 06 min 20 s
